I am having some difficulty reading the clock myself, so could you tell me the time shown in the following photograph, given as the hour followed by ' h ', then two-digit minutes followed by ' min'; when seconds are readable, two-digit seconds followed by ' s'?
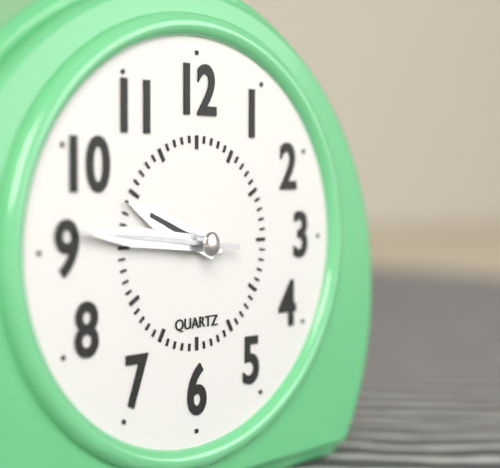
9 h 46 min 46 s
